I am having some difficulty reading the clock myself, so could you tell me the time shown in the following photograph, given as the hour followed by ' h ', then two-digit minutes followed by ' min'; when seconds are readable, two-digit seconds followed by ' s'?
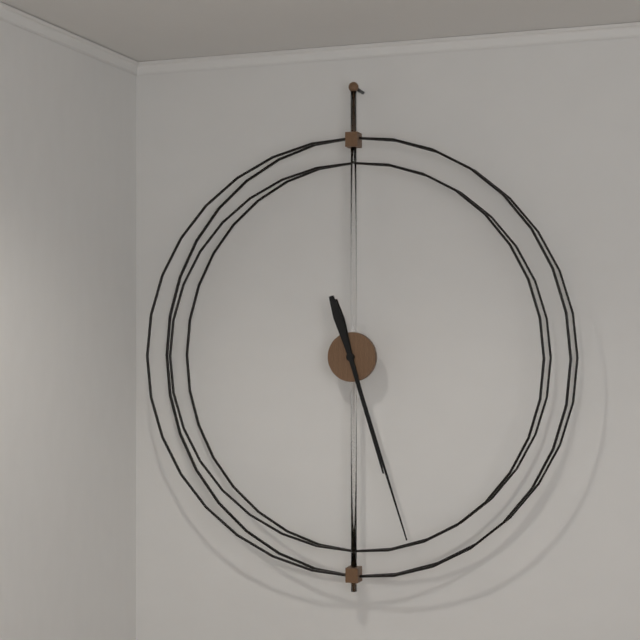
5 h 27 min
